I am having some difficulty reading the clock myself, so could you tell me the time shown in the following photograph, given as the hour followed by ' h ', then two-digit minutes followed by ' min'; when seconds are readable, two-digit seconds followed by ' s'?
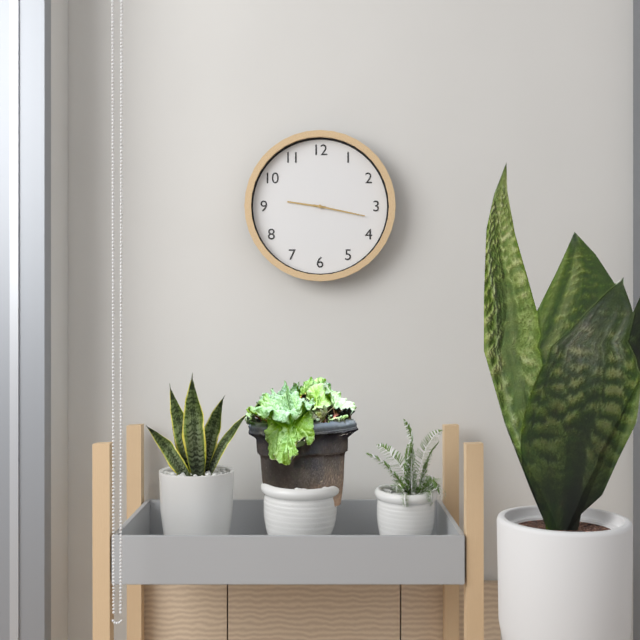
9 h 17 min
